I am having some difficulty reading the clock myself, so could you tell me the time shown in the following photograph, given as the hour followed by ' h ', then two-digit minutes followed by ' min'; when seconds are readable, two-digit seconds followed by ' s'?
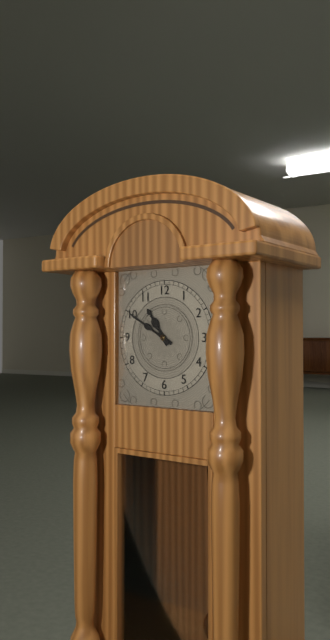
10 h 50 min
